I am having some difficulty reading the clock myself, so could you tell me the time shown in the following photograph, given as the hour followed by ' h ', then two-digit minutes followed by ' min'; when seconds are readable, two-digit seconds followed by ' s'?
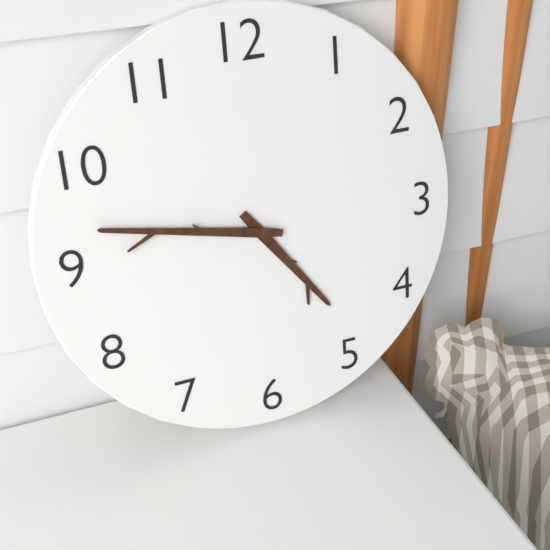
4 h 47 min
